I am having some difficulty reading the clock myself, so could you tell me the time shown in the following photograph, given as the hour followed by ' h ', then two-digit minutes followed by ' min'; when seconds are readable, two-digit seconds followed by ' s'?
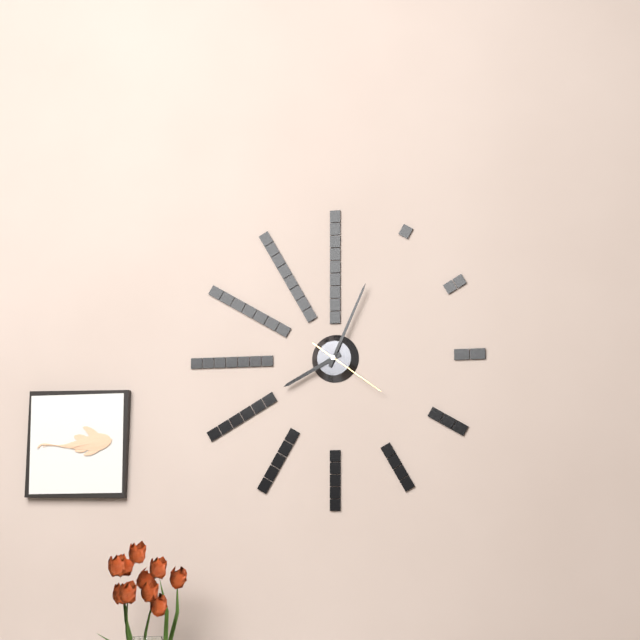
8 h 04 min 21 s
